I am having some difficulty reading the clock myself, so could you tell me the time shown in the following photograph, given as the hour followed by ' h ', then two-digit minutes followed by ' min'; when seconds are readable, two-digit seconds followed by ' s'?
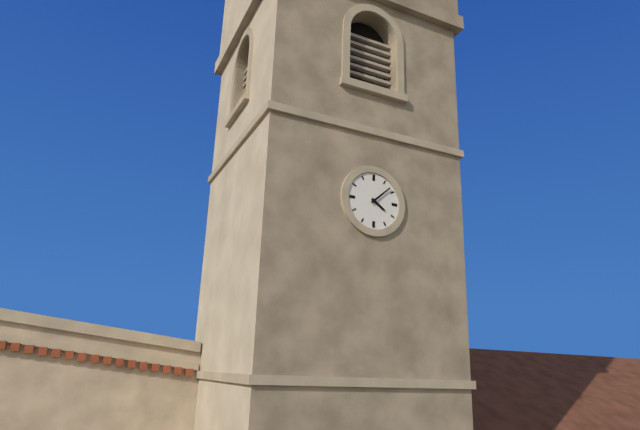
4 h 08 min
